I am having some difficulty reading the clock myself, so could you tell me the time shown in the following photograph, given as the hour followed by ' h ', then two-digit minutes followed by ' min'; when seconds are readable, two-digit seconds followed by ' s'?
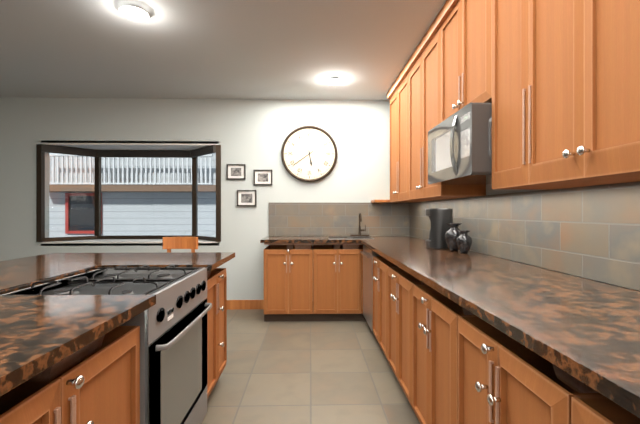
5 h 39 min
